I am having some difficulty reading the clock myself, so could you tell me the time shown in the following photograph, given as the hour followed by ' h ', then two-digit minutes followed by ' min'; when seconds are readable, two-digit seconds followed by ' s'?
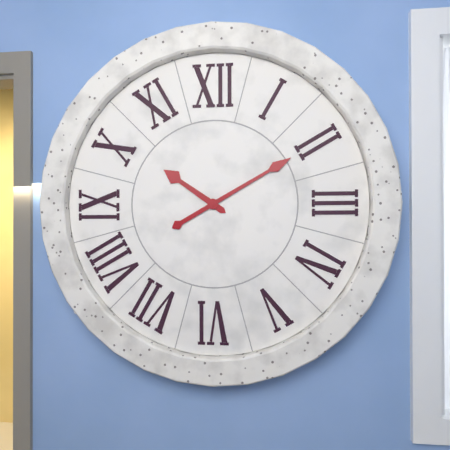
10 h 10 min
